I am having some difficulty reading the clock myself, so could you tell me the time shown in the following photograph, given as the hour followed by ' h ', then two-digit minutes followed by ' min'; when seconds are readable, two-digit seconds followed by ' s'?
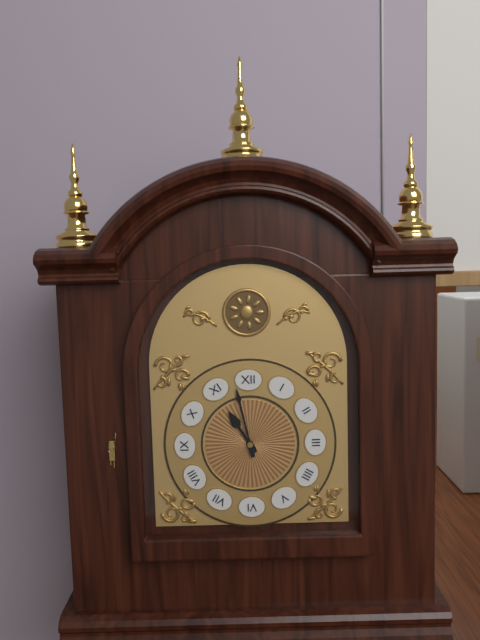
10 h 58 min
